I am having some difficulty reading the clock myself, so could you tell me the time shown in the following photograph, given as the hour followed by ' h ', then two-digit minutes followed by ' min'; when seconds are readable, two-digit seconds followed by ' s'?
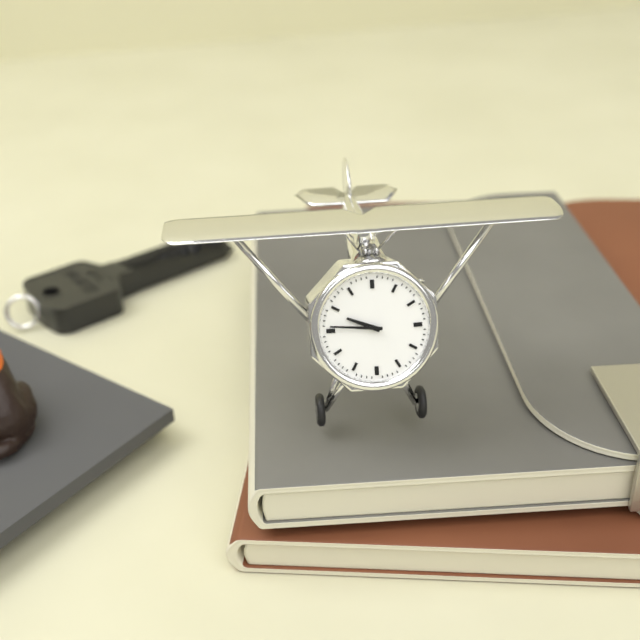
9 h 46 min
